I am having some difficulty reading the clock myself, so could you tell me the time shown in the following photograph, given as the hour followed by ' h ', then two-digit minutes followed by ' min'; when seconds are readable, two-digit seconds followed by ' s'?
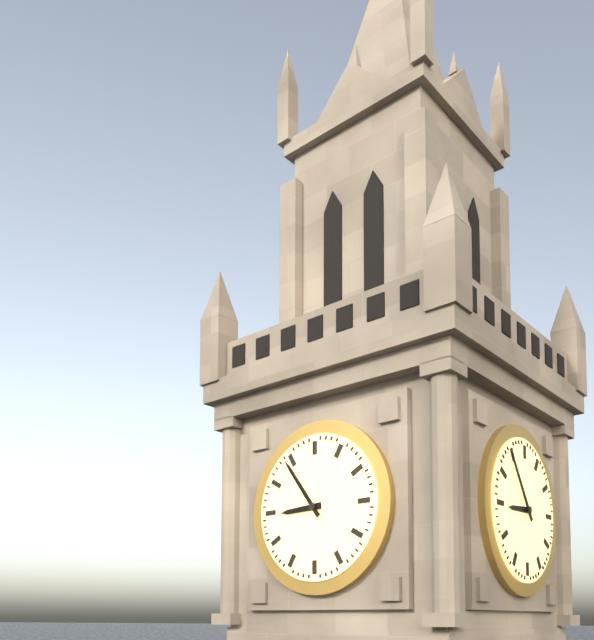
8 h 54 min
